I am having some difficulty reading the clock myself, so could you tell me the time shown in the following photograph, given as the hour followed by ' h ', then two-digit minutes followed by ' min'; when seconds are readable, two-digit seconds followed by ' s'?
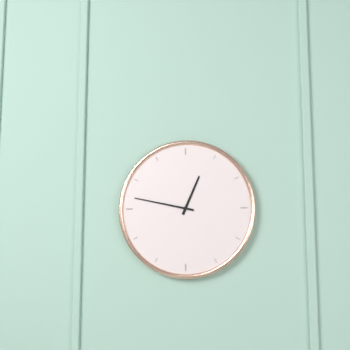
12 h 47 min
